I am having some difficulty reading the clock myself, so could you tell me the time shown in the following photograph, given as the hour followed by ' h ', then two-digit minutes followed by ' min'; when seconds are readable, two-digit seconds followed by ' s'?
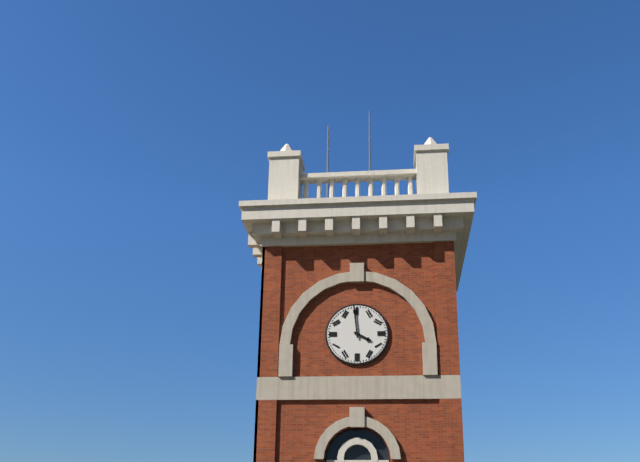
3 h 59 min
